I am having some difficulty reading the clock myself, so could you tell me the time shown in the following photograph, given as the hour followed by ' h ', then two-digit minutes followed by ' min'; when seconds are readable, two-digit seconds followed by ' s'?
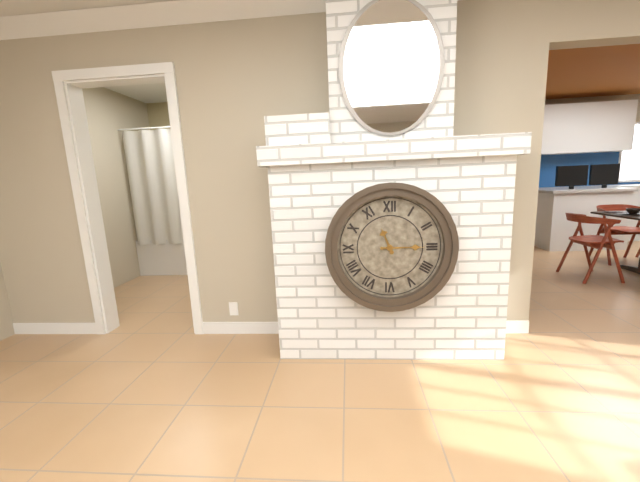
11 h 15 min
